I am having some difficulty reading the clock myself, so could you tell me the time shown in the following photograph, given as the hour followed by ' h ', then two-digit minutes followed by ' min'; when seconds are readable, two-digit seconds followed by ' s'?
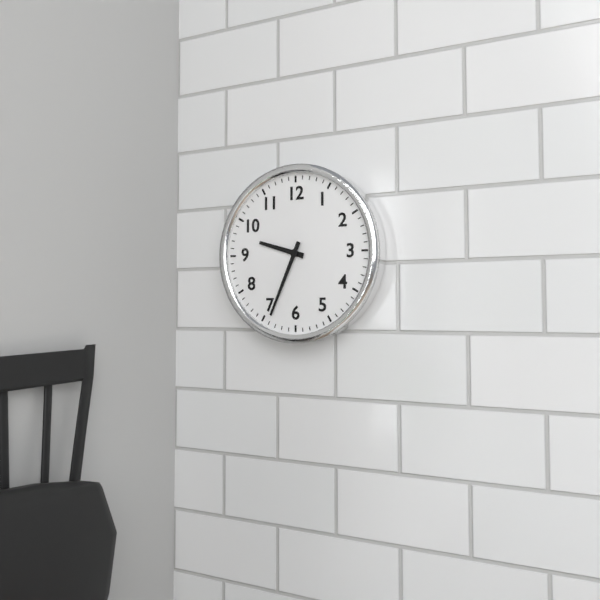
9 h 34 min
